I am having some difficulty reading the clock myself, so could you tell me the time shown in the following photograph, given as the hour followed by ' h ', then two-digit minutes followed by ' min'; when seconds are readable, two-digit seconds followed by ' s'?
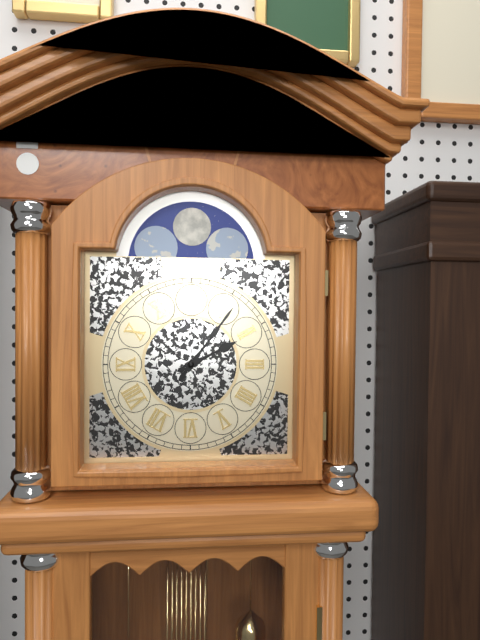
2 h 06 min
